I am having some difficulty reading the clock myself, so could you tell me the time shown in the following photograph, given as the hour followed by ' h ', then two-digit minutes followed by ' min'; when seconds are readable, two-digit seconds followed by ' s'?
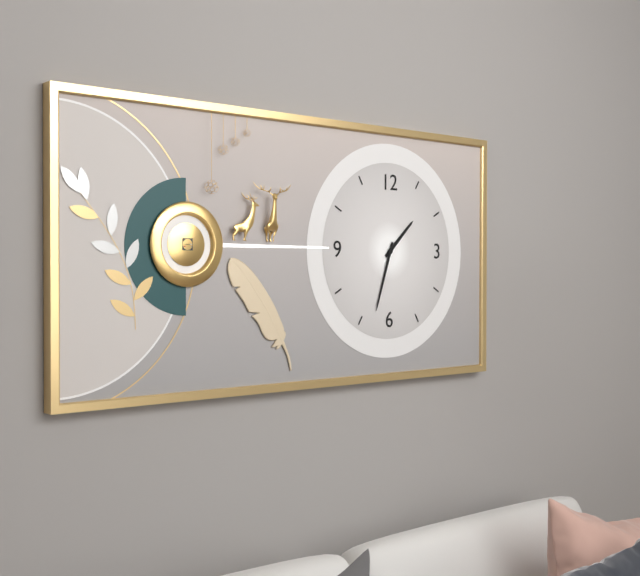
1 h 33 min
